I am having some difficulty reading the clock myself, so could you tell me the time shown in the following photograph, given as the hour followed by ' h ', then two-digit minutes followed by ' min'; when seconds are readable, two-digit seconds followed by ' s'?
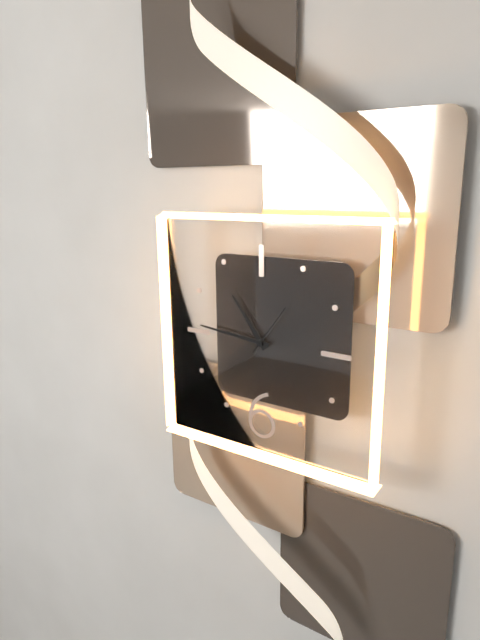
10 h 46 min 06 s
